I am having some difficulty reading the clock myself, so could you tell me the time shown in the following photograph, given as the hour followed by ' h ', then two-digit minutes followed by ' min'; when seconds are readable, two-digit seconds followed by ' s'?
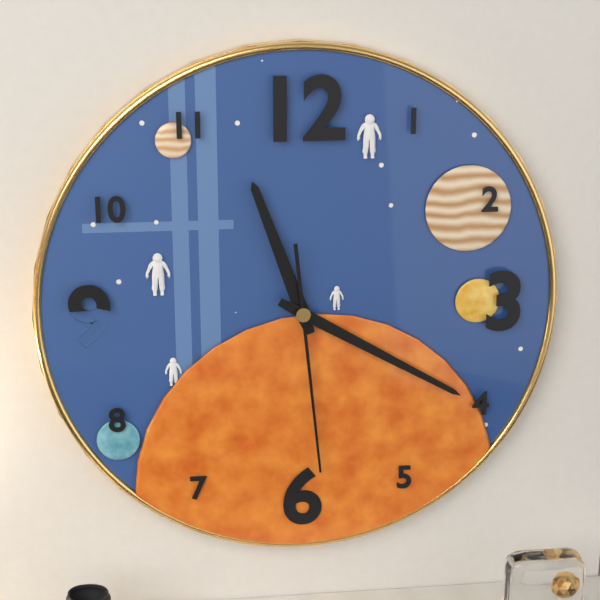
11 h 20 min 29 s
